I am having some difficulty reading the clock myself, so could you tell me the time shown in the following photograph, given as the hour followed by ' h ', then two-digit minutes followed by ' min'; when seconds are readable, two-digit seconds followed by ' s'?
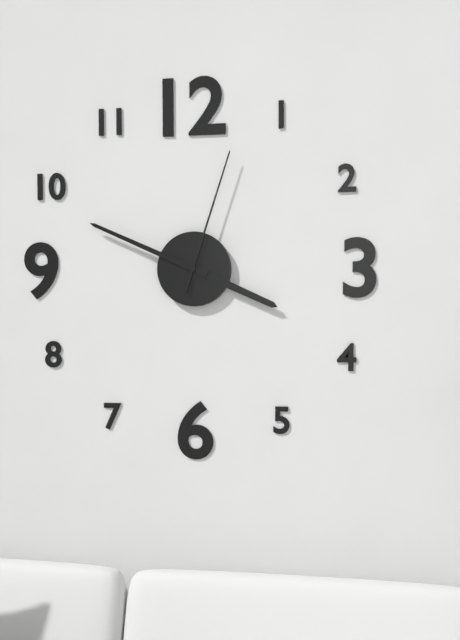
3 h 49 min 03 s
